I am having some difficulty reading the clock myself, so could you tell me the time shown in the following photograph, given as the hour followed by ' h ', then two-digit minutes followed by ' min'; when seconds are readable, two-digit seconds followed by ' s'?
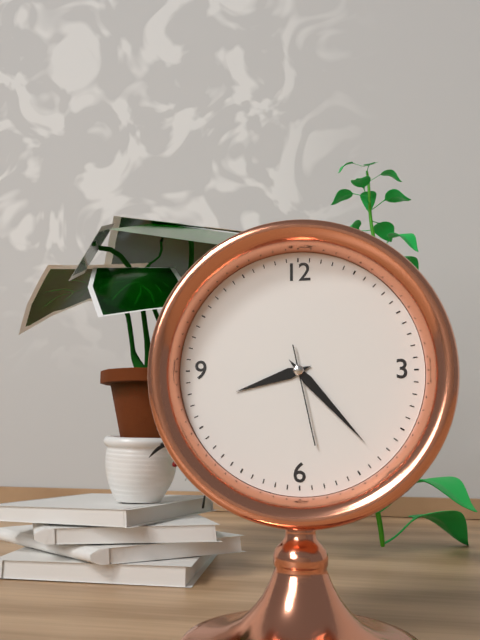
8 h 23 min 28 s
